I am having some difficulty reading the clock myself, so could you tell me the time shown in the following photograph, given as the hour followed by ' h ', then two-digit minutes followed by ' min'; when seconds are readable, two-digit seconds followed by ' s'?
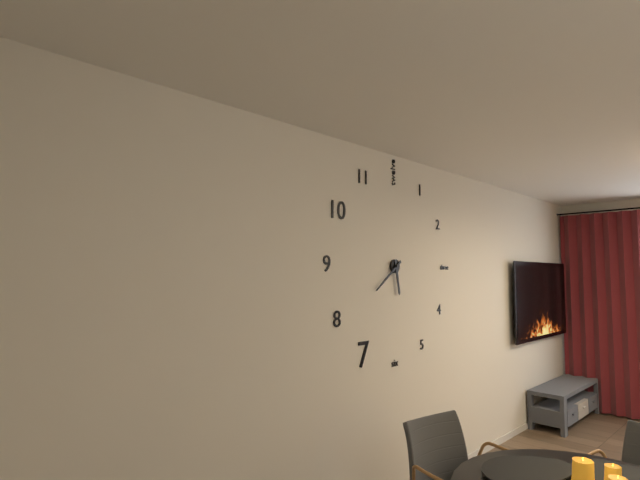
5 h 39 min
